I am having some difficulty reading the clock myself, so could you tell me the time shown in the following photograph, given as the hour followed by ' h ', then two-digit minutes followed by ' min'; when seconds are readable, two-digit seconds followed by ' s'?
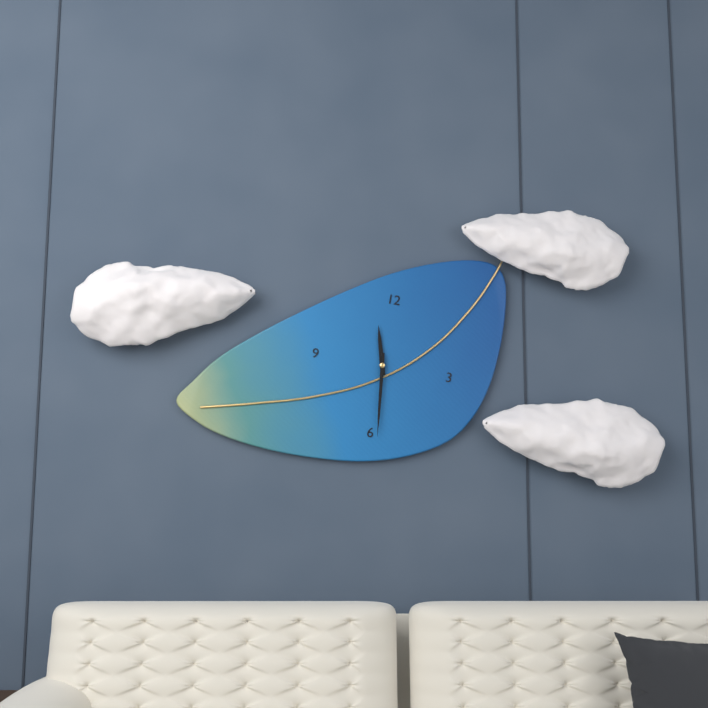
11 h 29 min
